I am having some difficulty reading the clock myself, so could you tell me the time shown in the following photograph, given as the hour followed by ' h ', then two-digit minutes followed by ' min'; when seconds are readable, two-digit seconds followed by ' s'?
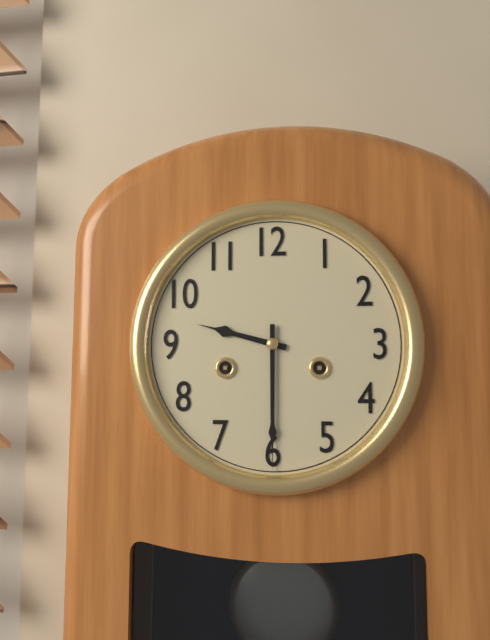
9 h 30 min
